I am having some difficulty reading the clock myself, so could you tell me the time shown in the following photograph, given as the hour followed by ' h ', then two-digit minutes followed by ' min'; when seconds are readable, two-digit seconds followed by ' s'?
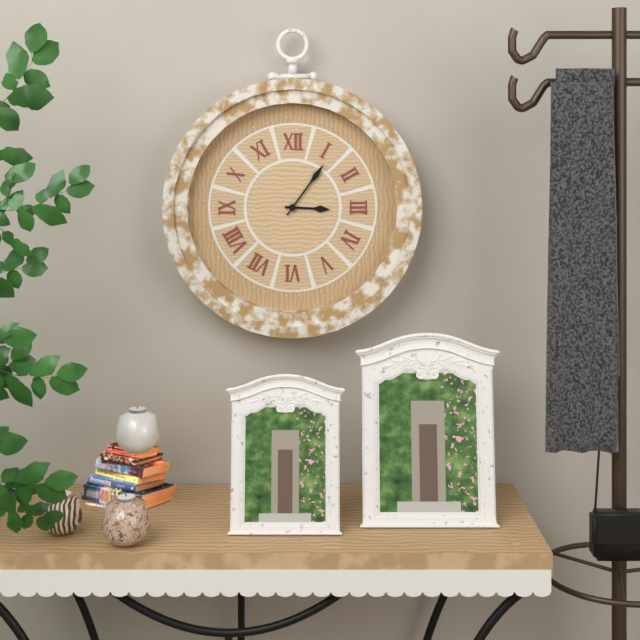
3 h 06 min
